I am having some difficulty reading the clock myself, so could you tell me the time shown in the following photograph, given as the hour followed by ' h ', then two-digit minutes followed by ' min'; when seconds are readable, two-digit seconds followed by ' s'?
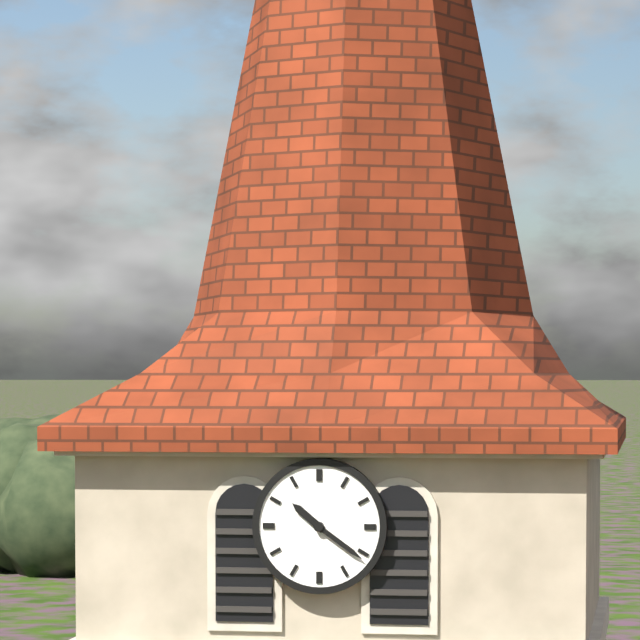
10 h 21 min
